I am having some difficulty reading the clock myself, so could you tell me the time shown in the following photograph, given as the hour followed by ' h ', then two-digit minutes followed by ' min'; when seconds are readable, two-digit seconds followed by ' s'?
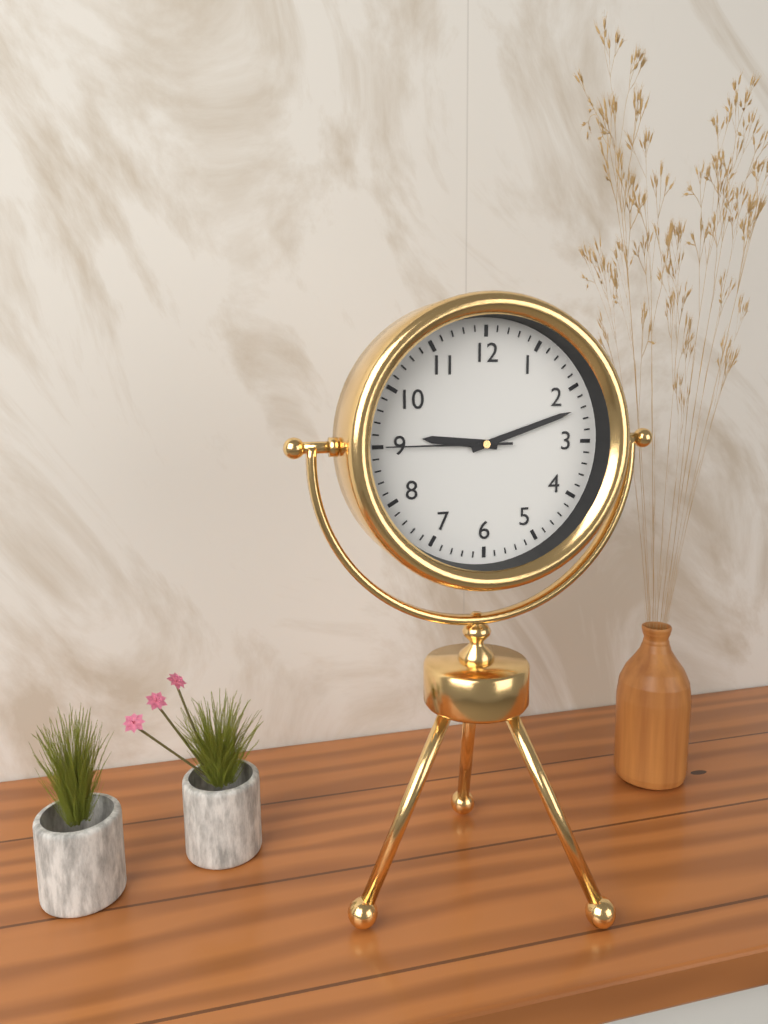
9 h 12 min 45 s
